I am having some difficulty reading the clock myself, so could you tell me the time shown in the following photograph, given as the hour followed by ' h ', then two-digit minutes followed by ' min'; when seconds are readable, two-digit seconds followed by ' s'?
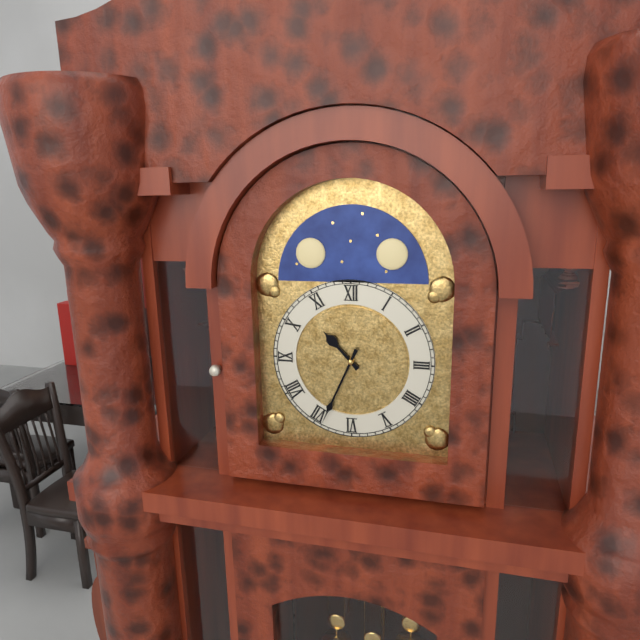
10 h 34 min
